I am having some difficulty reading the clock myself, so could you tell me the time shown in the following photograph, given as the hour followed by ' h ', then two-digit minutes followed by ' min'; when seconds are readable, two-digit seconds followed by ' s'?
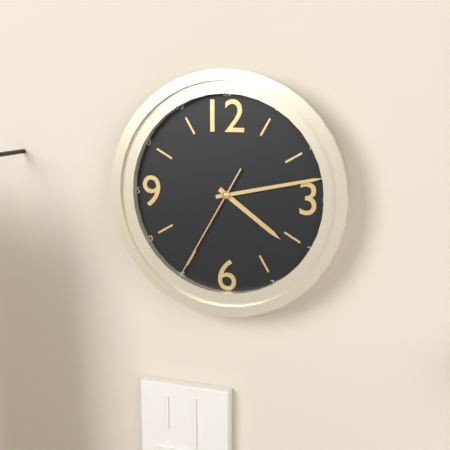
4 h 13 min 35 s
